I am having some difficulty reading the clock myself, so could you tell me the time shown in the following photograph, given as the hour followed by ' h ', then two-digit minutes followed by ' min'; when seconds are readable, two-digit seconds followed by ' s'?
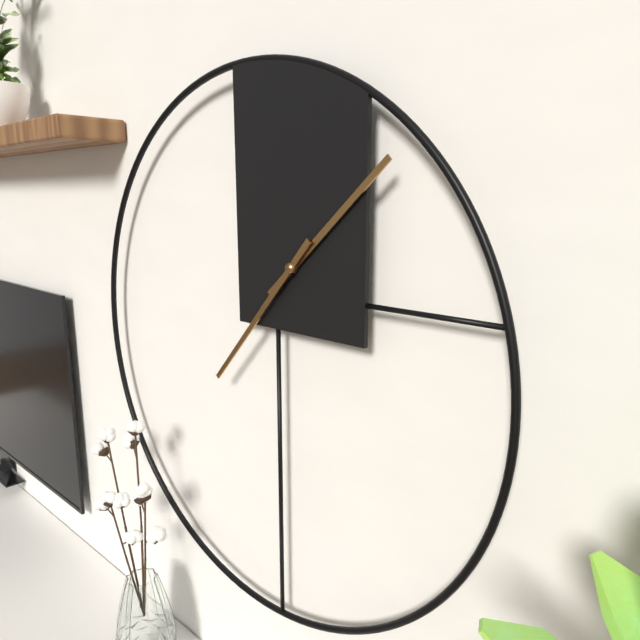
1 h 37 min
